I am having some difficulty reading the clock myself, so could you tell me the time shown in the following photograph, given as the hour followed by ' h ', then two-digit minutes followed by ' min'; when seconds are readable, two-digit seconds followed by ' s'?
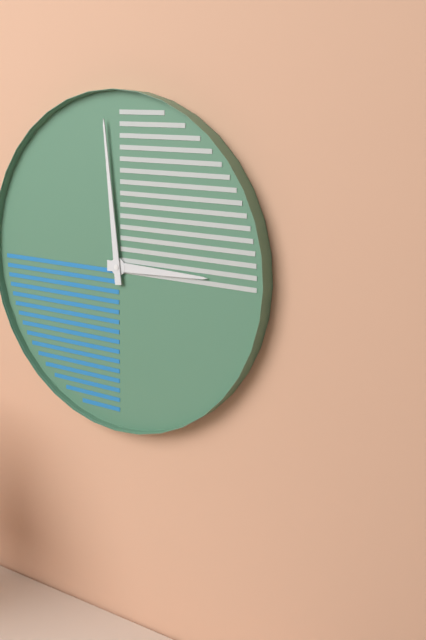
2 h 59 min
